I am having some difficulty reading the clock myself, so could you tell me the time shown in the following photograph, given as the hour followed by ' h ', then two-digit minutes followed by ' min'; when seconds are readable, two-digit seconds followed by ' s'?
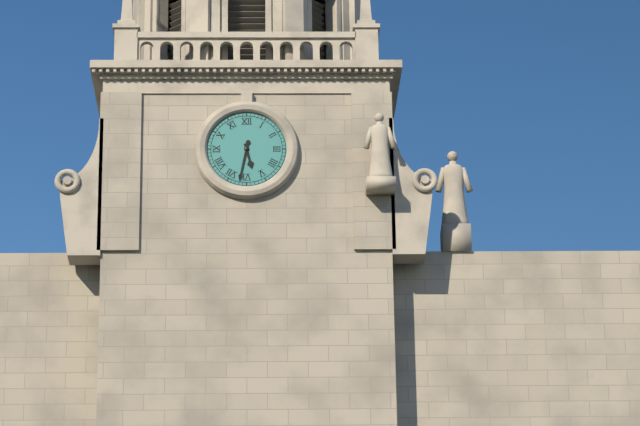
5 h 32 min
